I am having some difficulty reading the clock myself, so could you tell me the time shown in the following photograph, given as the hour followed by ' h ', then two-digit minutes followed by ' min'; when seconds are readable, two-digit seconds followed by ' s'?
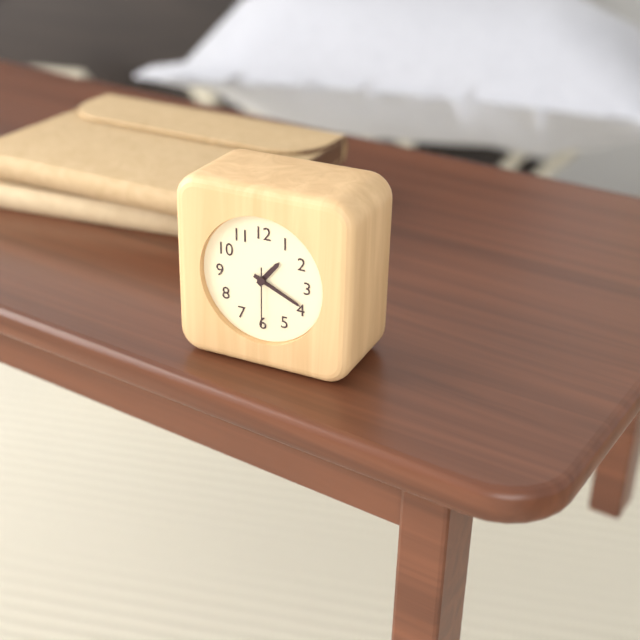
1 h 19 min 30 s
